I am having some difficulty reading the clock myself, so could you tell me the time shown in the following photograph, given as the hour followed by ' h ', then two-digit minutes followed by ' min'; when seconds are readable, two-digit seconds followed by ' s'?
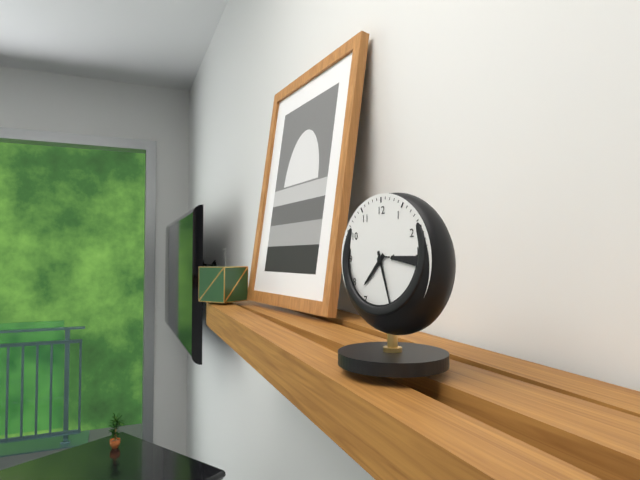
7 h 27 min
